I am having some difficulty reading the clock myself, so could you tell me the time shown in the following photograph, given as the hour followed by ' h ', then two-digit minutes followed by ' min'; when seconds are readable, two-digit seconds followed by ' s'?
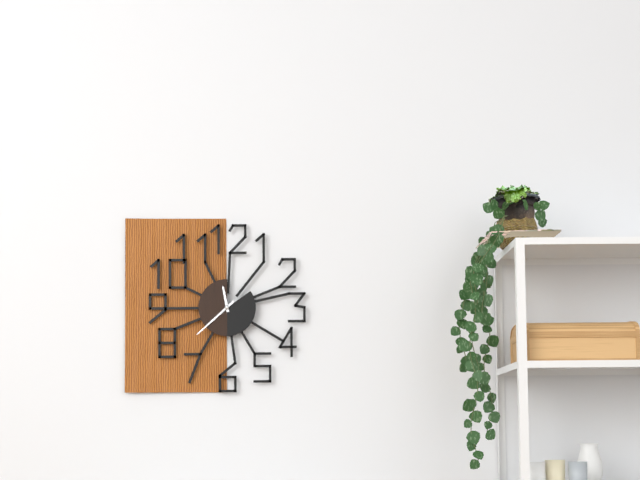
11 h 38 min
